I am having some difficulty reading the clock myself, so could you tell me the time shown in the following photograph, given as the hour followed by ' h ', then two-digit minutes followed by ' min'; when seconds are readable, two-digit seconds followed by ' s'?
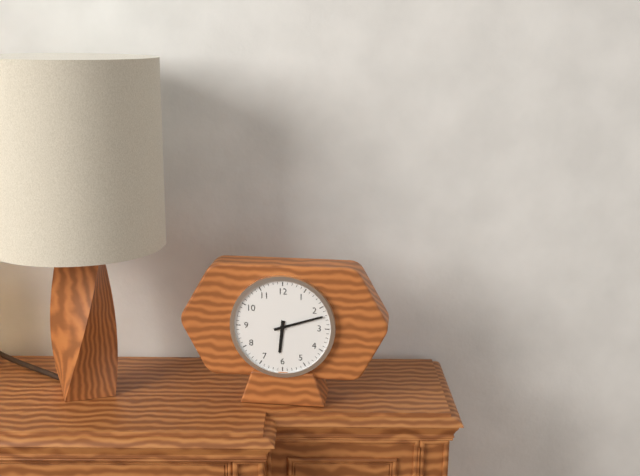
6 h 12 min
